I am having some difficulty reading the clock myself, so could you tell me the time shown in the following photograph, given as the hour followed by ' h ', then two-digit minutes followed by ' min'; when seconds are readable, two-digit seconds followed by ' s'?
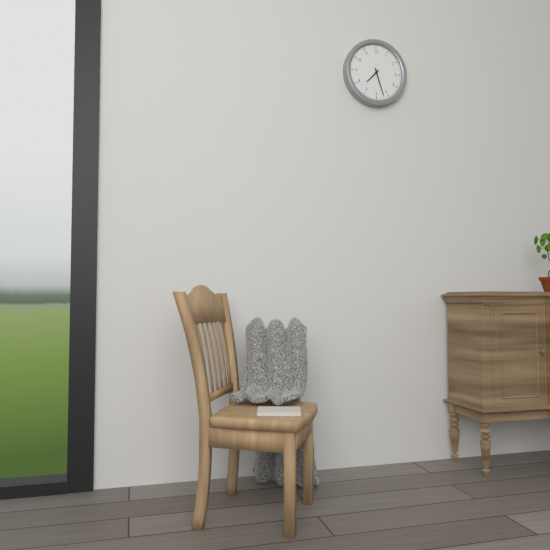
7 h 27 min
